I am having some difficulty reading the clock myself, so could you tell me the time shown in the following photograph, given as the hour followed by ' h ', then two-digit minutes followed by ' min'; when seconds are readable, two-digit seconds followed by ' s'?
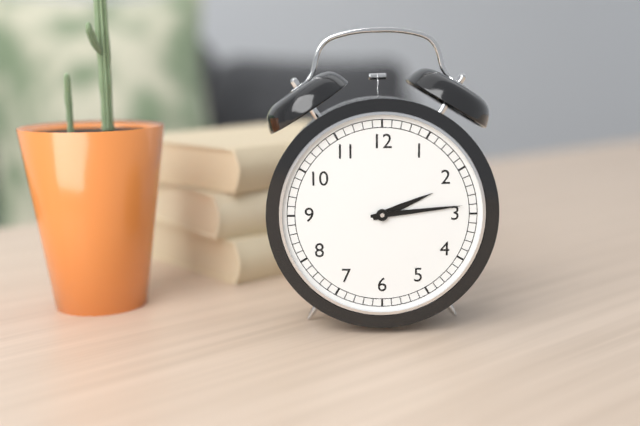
2 h 14 min
